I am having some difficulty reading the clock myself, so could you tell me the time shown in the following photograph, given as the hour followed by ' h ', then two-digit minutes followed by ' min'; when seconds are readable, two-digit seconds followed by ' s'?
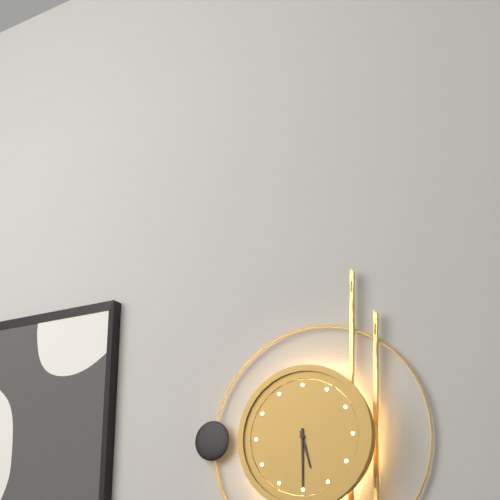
5 h 30 min
